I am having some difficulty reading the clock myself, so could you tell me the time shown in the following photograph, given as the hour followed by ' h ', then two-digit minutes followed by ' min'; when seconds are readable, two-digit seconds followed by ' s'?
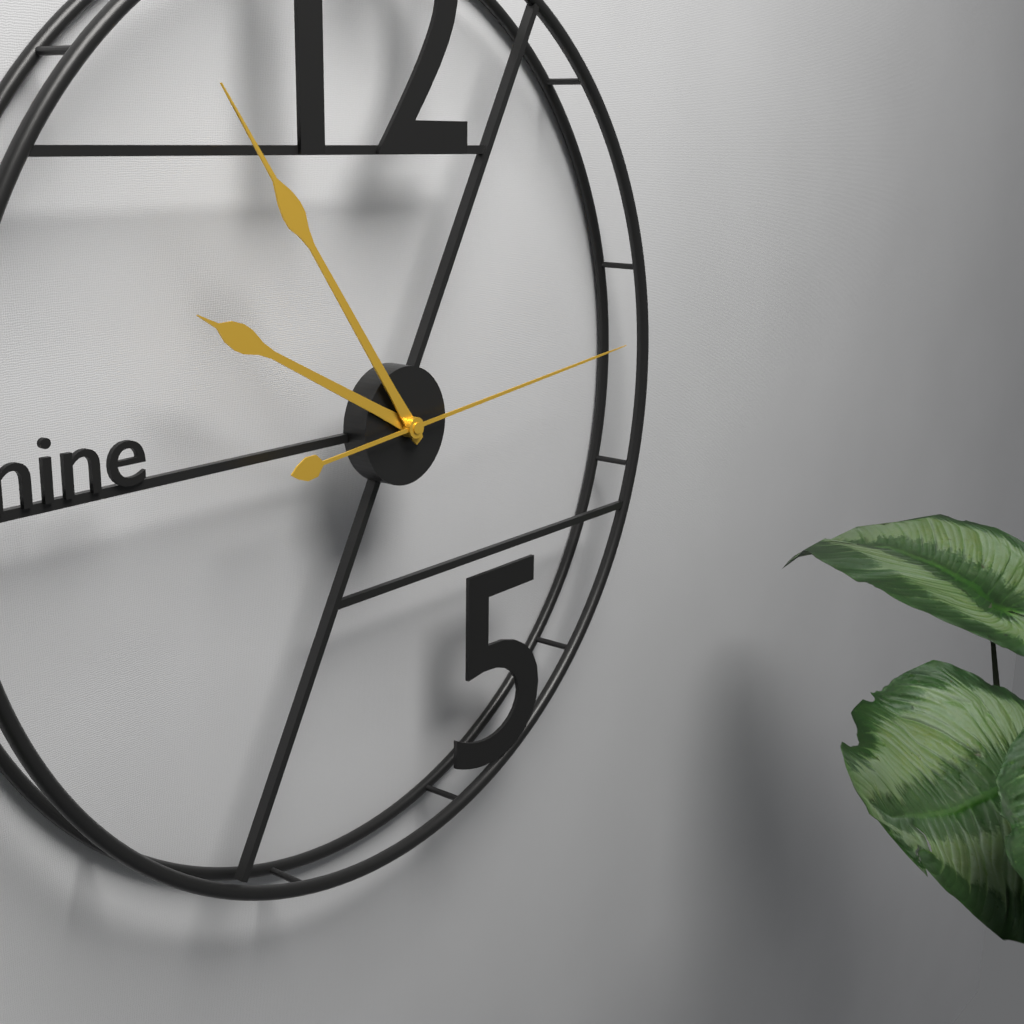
9 h 54 min 14 s
